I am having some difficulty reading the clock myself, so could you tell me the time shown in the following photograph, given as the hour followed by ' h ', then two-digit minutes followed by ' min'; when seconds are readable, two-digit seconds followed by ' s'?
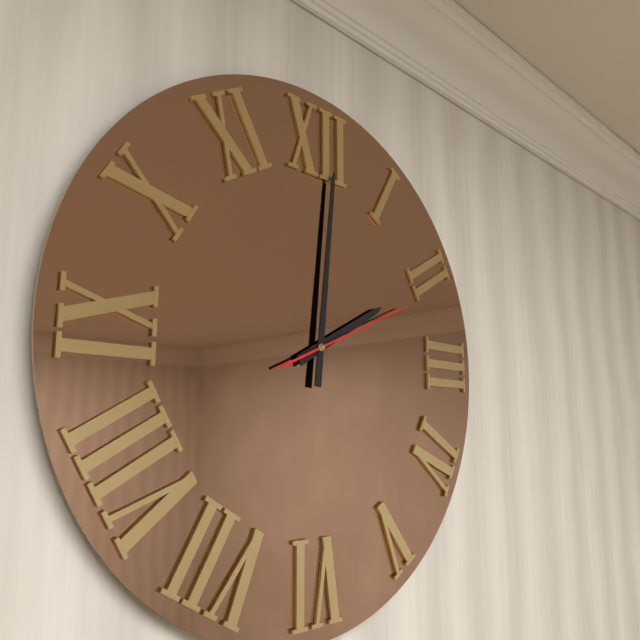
2 h 01 min 11 s
